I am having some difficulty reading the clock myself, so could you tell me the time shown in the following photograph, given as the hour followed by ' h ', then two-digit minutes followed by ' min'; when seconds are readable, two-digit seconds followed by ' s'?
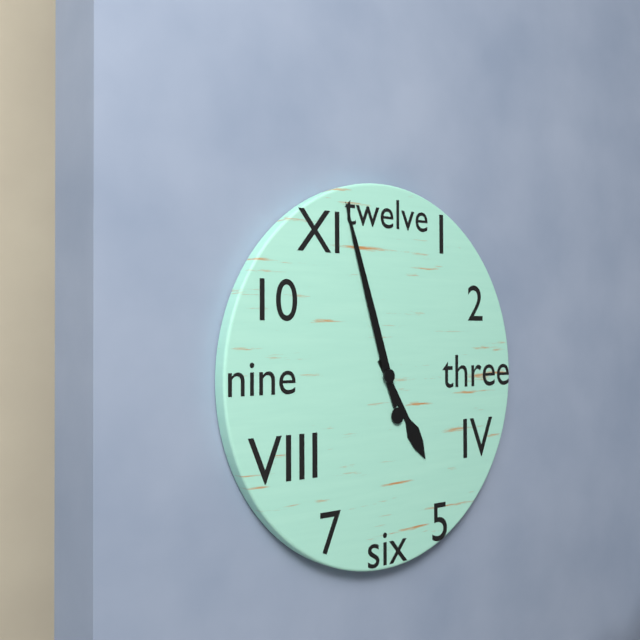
4 h 57 min
